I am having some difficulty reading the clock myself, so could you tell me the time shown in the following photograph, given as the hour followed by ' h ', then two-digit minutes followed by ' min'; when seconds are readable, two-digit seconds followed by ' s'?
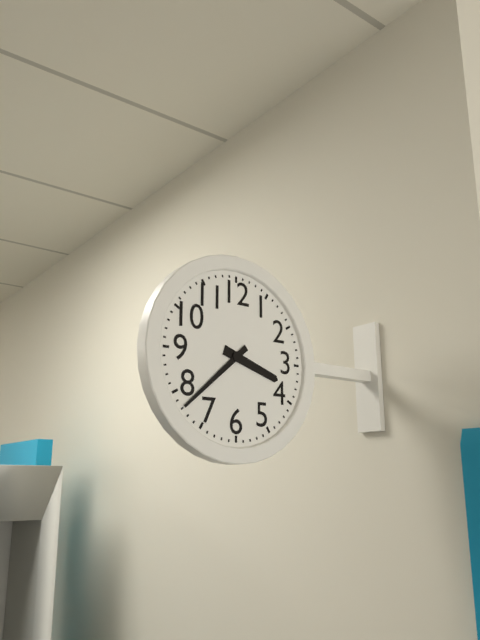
3 h 38 min
